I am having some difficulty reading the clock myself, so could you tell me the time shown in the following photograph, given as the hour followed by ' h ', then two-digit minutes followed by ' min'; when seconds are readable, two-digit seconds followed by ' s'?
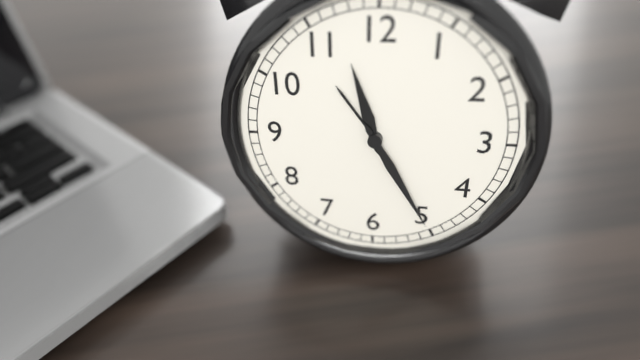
11 h 25 min
